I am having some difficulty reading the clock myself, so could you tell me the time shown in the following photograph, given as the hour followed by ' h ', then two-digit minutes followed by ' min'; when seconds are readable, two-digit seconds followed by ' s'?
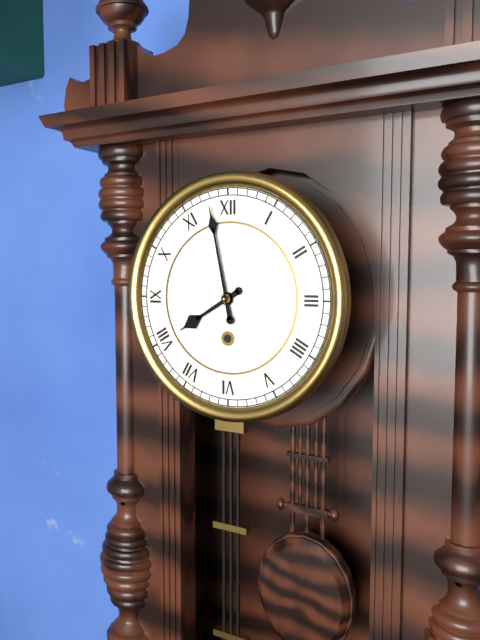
7 h 58 min
